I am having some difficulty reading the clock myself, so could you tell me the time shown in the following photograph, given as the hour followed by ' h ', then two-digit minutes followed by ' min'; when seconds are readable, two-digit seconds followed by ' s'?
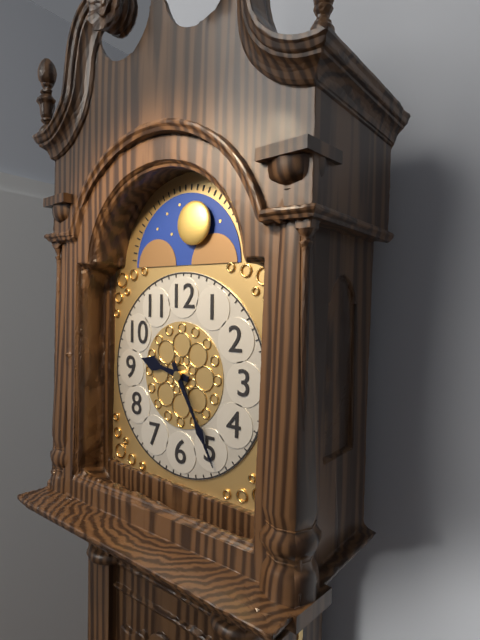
9 h 25 min
